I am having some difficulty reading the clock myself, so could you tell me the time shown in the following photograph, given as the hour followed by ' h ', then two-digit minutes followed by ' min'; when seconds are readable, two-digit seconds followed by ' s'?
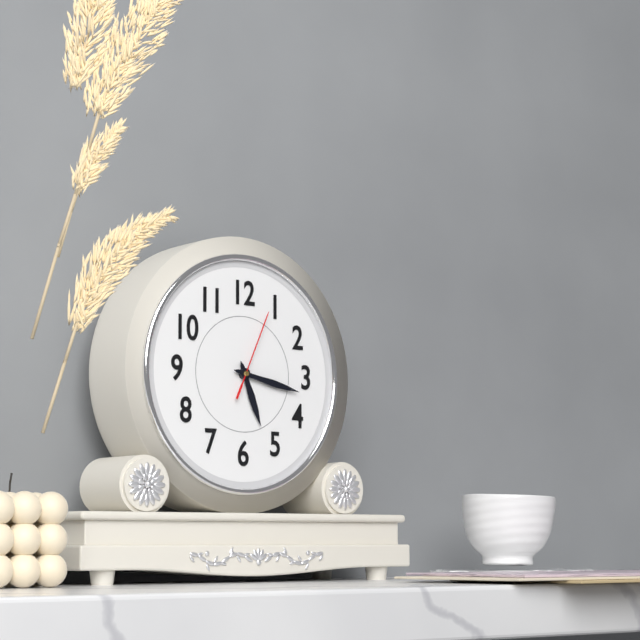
5 h 17 min 04 s
